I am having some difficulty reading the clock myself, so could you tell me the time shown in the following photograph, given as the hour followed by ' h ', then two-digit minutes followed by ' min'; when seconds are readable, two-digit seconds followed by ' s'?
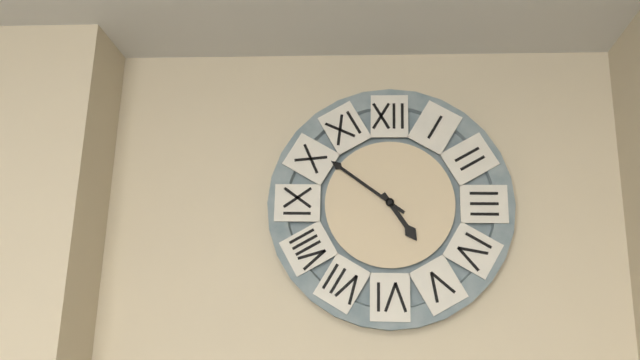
4 h 51 min
